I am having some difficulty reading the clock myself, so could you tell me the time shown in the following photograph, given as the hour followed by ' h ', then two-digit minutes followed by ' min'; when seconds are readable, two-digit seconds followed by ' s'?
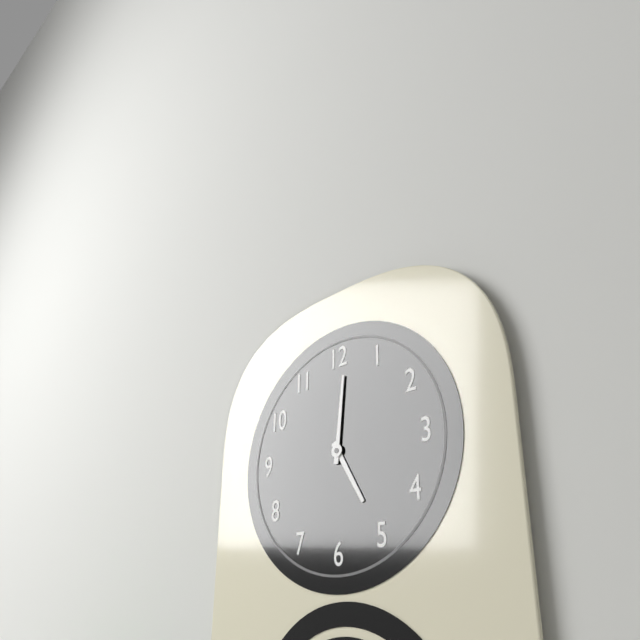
5 h 01 min
